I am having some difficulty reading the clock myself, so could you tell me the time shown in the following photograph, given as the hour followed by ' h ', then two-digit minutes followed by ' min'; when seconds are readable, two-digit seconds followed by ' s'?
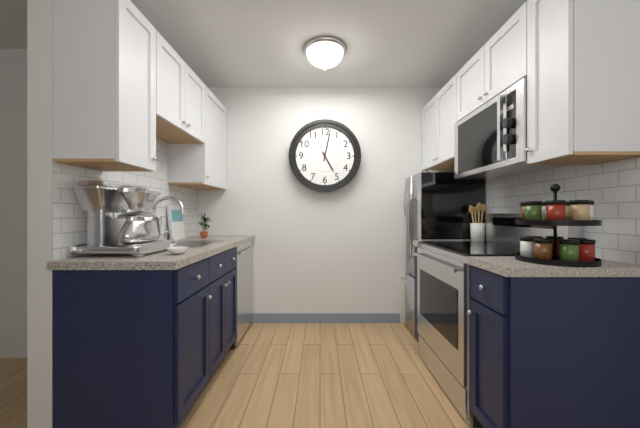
5 h 02 min
